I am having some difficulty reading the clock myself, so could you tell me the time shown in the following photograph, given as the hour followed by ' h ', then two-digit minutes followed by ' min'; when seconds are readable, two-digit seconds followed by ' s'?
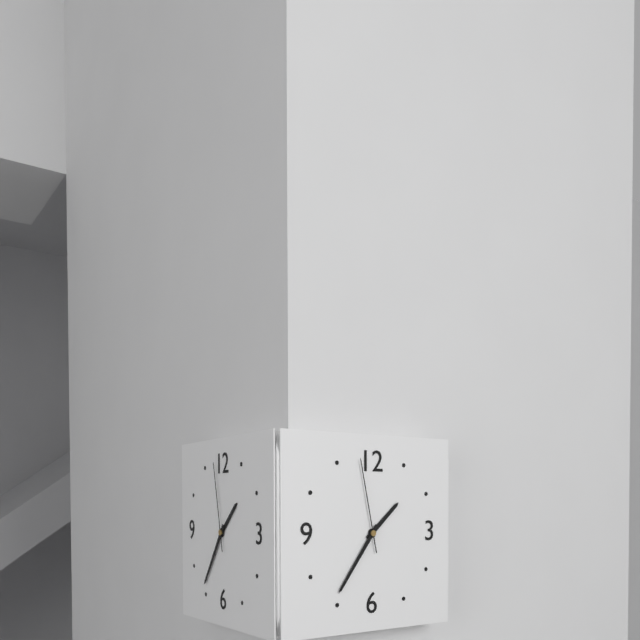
1 h 36 min 58 s
